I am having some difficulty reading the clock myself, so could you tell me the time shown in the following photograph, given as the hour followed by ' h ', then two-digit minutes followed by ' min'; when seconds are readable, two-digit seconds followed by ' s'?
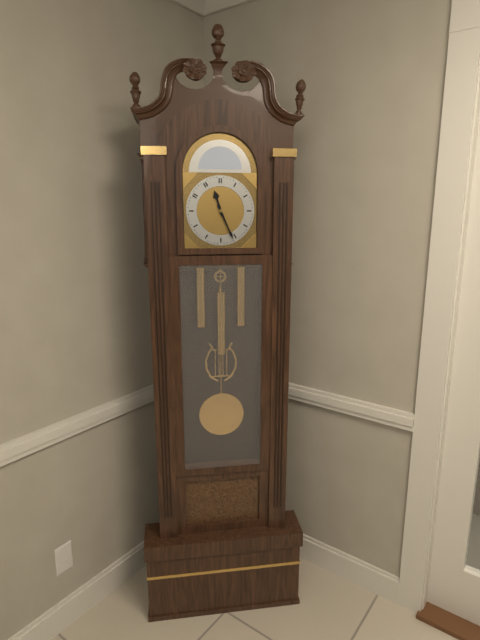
11 h 26 min
